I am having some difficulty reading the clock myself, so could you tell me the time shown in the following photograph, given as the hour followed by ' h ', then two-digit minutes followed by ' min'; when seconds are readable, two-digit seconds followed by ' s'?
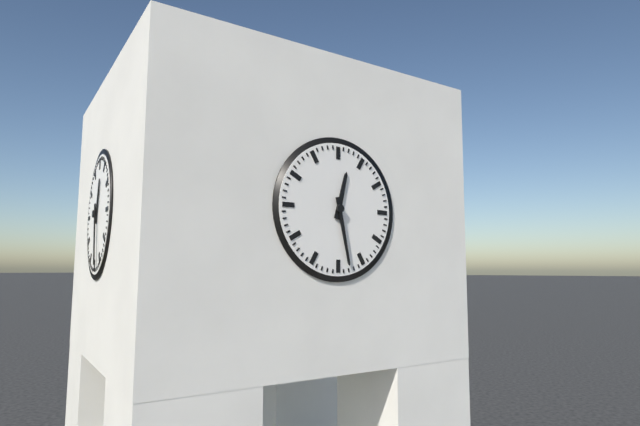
12 h 28 min
